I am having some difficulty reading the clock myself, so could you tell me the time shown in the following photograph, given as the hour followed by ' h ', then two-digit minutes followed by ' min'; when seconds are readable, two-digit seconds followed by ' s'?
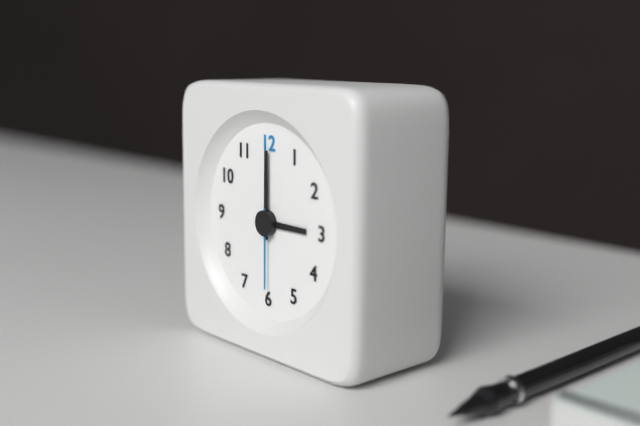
3 h 00 min 30 s
